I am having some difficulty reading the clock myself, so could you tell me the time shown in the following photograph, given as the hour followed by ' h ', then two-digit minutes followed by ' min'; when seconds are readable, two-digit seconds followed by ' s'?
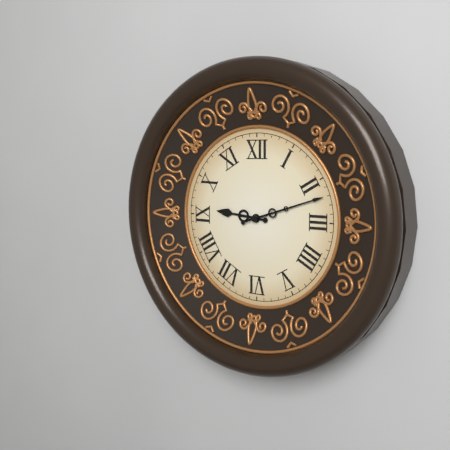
9 h 12 min
